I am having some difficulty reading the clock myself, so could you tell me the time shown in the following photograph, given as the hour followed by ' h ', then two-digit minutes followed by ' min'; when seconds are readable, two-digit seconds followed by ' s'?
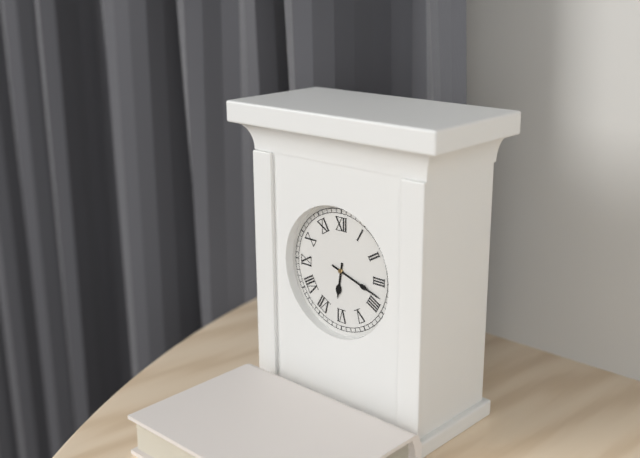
6 h 18 min
